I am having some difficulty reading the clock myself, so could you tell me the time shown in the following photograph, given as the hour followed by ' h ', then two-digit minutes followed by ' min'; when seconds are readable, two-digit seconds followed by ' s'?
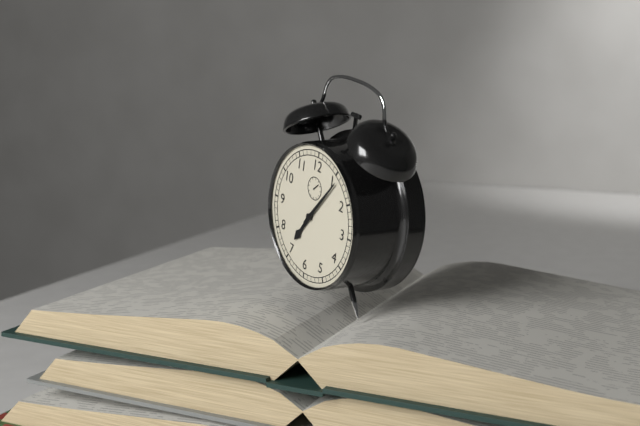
7 h 06 min
